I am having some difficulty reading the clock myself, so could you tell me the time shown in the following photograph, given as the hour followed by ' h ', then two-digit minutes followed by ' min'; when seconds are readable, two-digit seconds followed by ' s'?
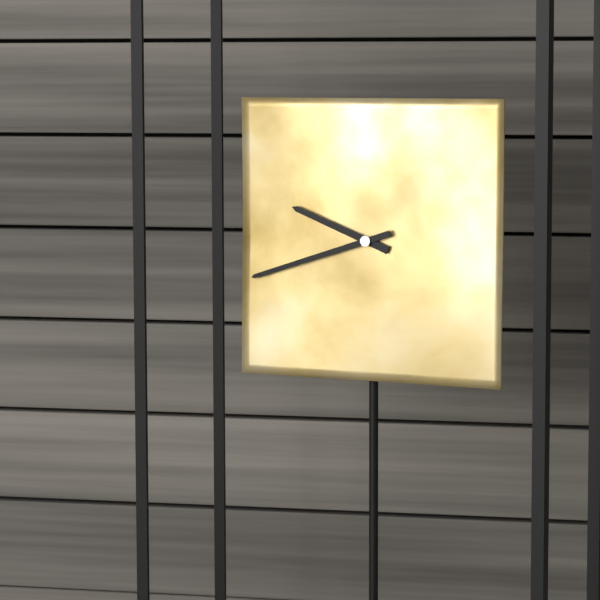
9 h 42 min
